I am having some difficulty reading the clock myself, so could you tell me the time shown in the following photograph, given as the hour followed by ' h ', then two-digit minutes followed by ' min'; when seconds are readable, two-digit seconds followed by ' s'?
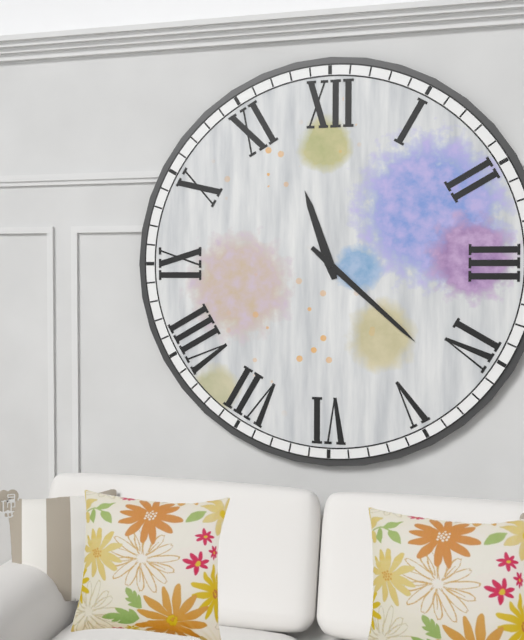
11 h 22 min
